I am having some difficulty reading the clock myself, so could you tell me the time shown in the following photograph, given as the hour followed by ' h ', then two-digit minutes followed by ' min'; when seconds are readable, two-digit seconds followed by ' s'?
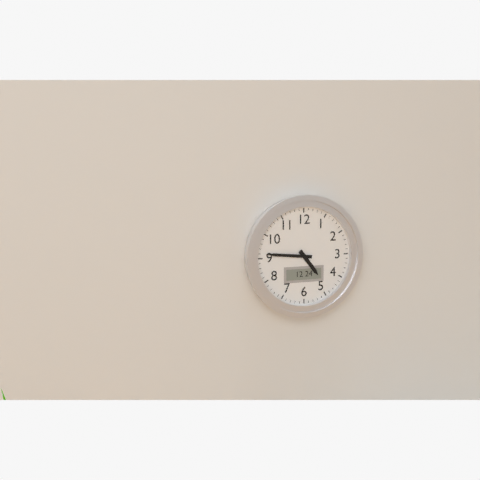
4 h 46 min
